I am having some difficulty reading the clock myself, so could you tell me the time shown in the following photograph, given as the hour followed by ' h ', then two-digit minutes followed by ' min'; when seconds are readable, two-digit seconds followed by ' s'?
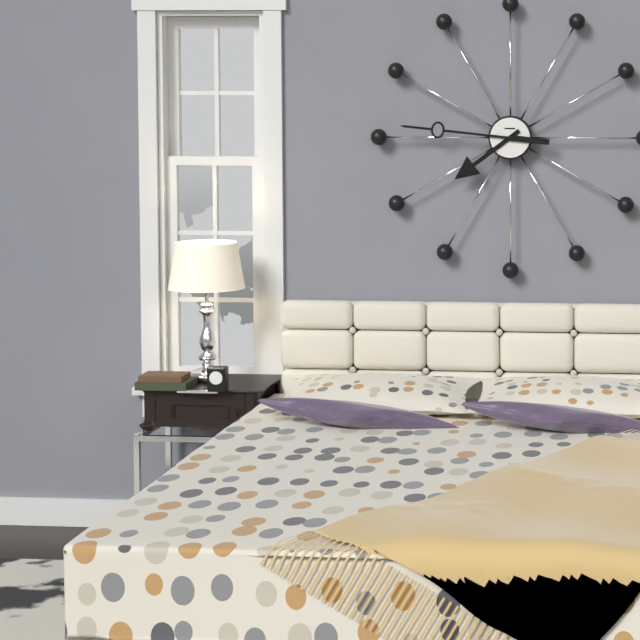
7 h 46 min
